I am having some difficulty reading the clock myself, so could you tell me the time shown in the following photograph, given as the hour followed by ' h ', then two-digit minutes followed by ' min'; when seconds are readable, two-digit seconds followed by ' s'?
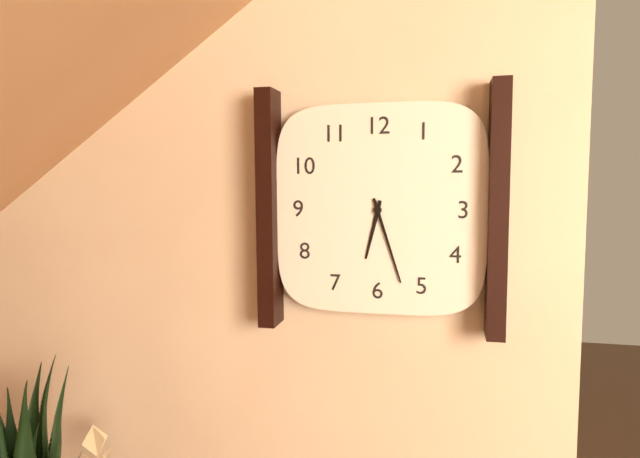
6 h 27 min
